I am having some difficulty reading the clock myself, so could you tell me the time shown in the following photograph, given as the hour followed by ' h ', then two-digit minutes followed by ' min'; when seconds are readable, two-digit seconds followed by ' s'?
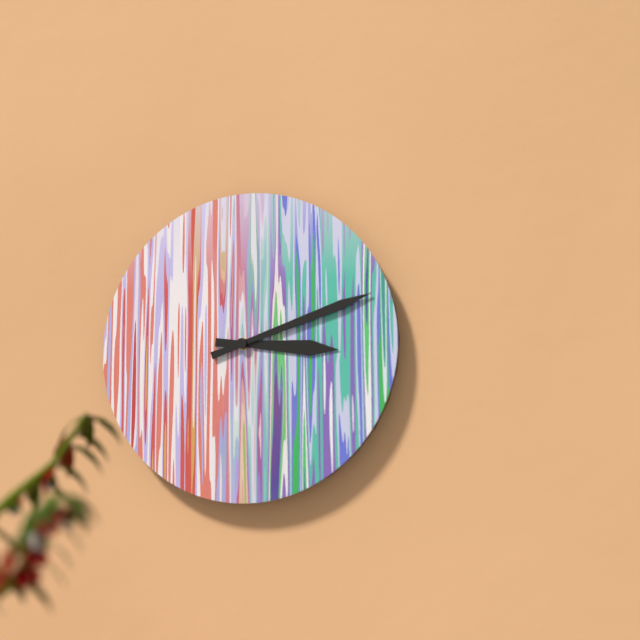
3 h 12 min
